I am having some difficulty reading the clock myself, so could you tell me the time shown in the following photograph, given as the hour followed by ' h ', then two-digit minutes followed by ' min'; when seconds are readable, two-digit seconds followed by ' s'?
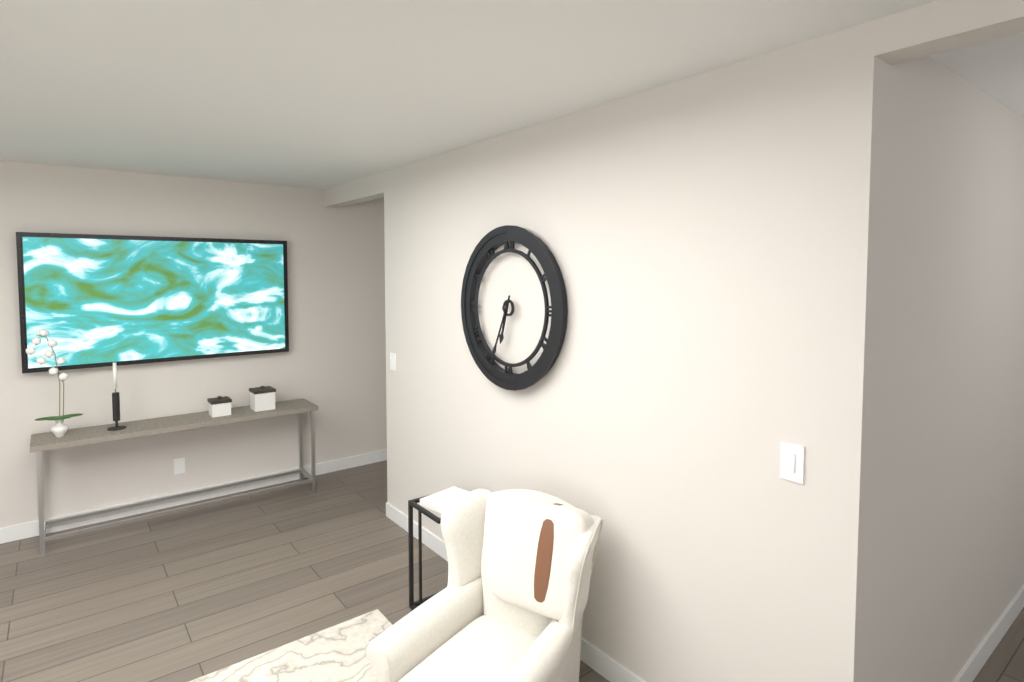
6 h 34 min
